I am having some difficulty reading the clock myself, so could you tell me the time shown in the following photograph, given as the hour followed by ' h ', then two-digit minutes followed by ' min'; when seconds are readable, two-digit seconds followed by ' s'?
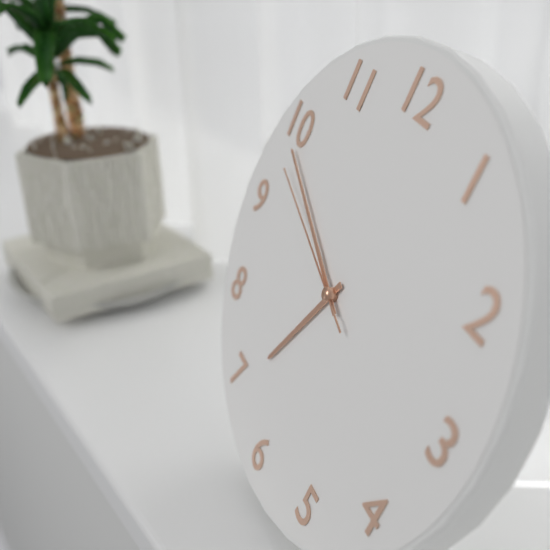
6 h 49 min 48 s
